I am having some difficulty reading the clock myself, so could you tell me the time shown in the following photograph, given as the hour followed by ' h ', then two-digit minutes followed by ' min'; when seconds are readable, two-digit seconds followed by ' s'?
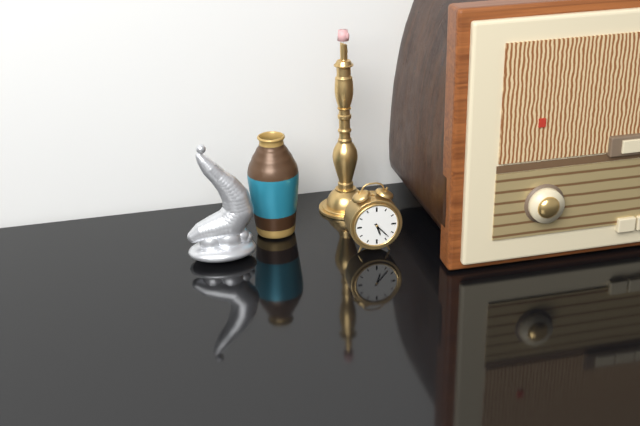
5 h 23 min
